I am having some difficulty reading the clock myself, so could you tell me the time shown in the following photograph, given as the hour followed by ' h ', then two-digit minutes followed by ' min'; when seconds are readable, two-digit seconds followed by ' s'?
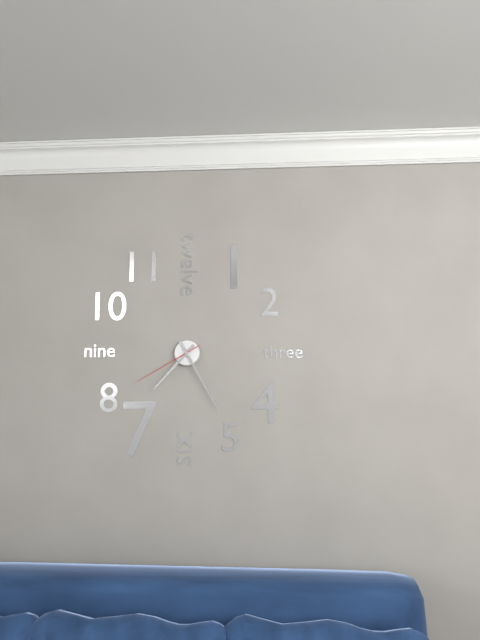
7 h 25 min 40 s
